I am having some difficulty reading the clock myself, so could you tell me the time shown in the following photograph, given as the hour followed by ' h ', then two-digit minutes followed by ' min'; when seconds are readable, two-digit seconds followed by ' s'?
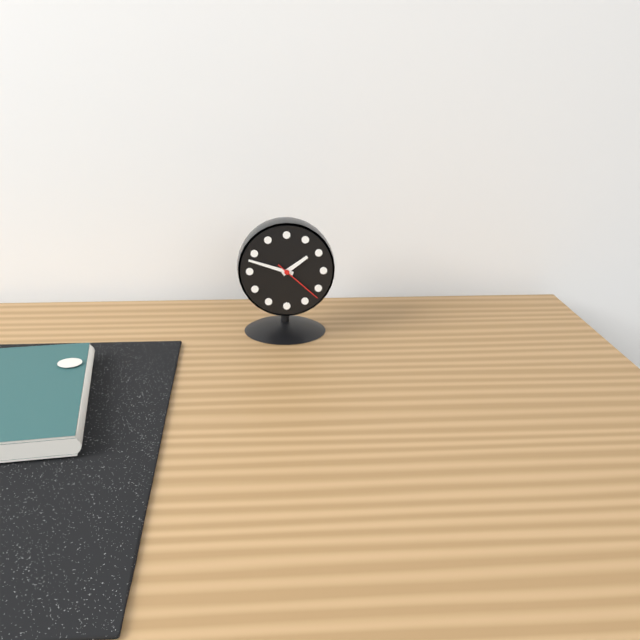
1 h 48 min 22 s
